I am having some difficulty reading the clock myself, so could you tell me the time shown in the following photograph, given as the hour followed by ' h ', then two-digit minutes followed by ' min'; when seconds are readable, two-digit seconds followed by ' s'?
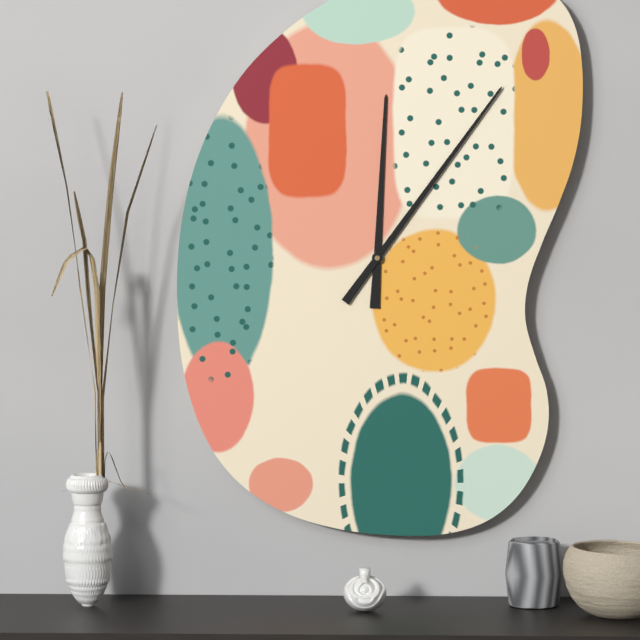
12 h 06 min
